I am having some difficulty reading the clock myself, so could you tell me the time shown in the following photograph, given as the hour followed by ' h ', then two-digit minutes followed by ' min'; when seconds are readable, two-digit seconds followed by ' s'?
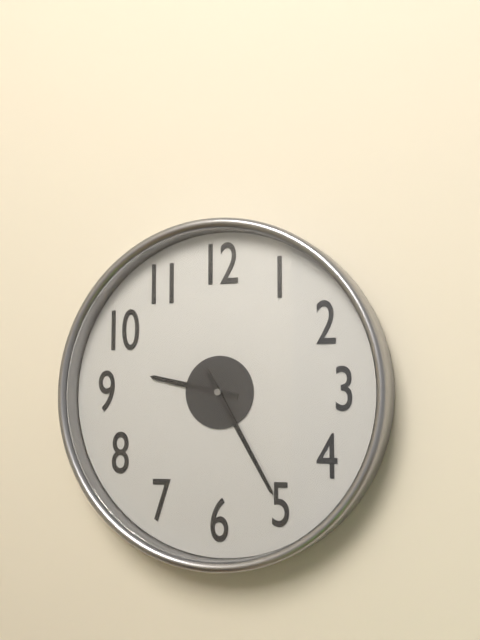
9 h 25 min
